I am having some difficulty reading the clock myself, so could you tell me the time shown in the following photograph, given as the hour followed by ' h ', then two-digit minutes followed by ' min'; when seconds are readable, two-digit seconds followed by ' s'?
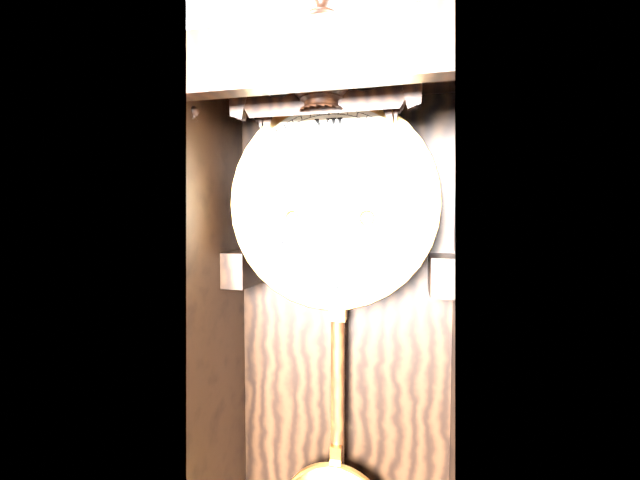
7 h 50 min
